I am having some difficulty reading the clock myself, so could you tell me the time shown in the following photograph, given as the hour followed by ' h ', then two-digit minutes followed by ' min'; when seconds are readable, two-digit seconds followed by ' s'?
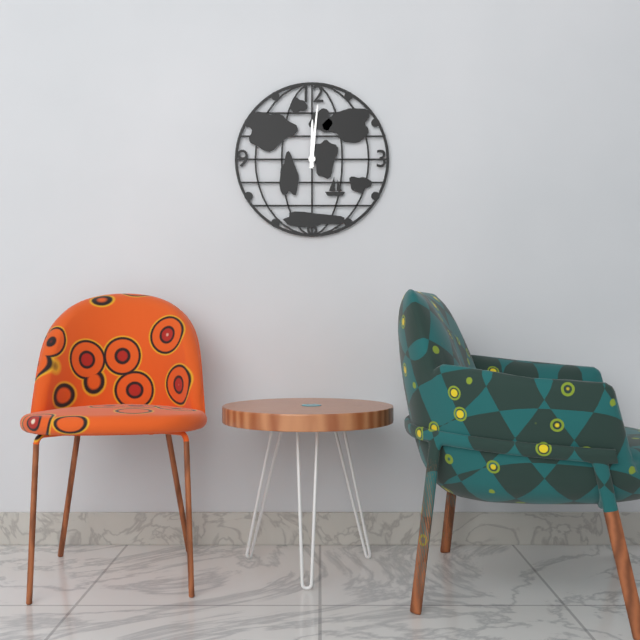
12 h 01 min
